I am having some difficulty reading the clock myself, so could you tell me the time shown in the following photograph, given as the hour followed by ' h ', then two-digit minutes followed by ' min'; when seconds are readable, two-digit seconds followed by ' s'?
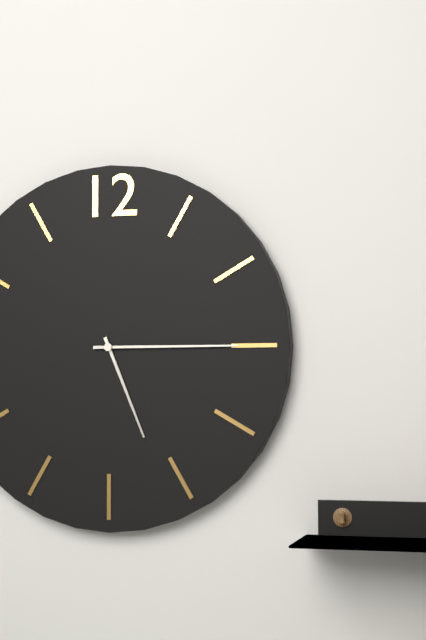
5 h 15 min
